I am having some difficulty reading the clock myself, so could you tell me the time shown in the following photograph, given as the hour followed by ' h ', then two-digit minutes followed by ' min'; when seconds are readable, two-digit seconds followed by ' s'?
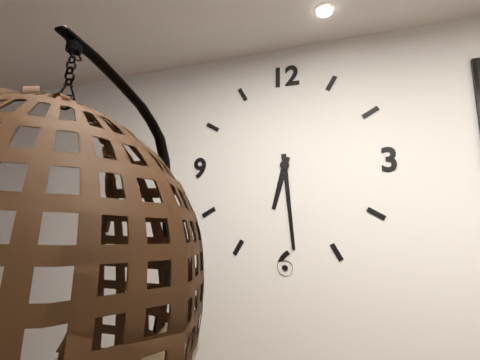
6 h 29 min
